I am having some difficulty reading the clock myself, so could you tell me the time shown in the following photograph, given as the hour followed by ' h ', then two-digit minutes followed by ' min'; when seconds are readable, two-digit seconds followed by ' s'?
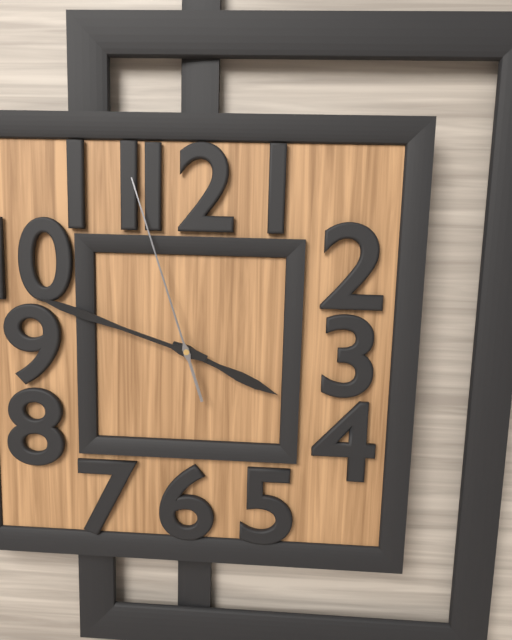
3 h 48 min 57 s
